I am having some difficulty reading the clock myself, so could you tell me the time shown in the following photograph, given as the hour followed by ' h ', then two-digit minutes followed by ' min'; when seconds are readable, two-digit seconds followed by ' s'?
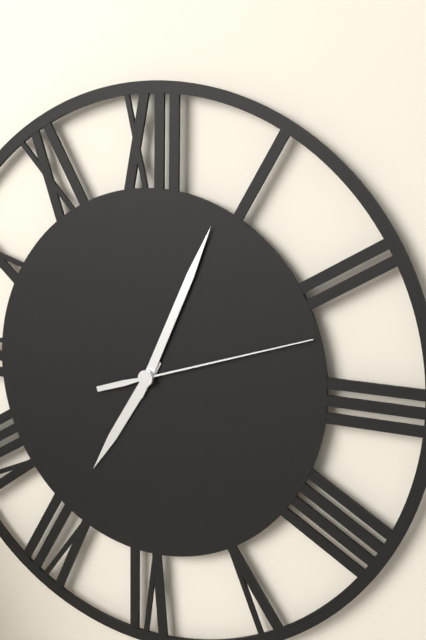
7 h 04 min 12 s
